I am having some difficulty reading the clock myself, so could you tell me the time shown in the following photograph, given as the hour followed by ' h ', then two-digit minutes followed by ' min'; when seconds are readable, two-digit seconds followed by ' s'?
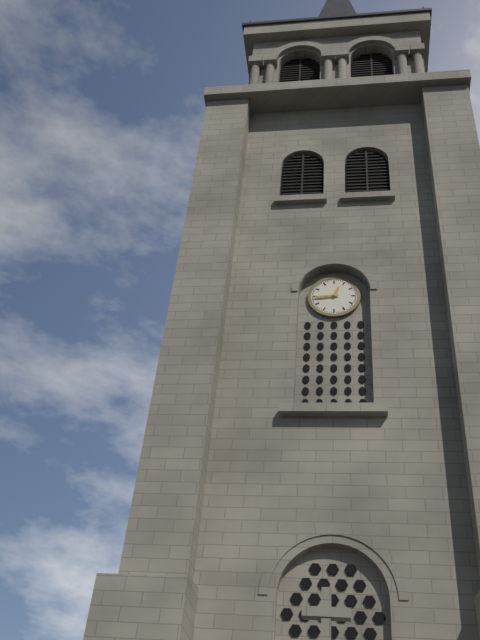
12 h 44 min
